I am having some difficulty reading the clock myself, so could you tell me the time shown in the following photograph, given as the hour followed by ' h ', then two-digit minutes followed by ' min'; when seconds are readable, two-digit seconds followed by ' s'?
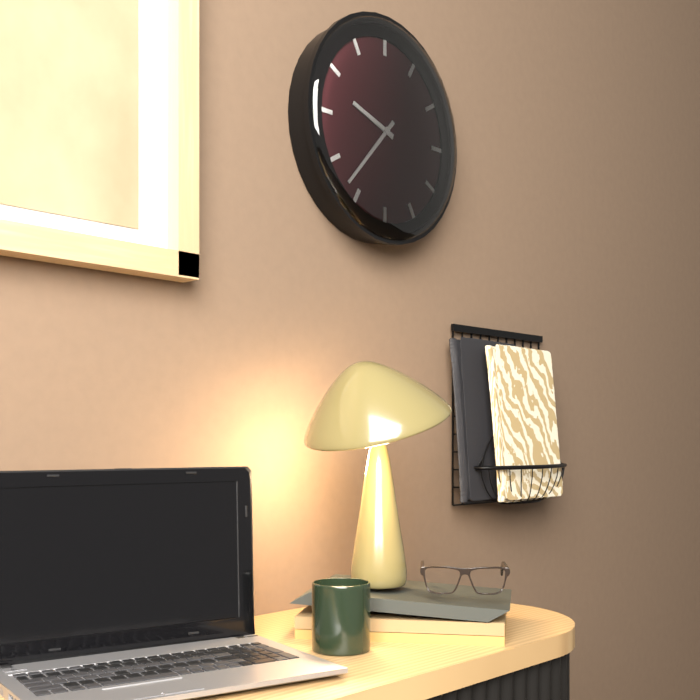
9 h 37 min
